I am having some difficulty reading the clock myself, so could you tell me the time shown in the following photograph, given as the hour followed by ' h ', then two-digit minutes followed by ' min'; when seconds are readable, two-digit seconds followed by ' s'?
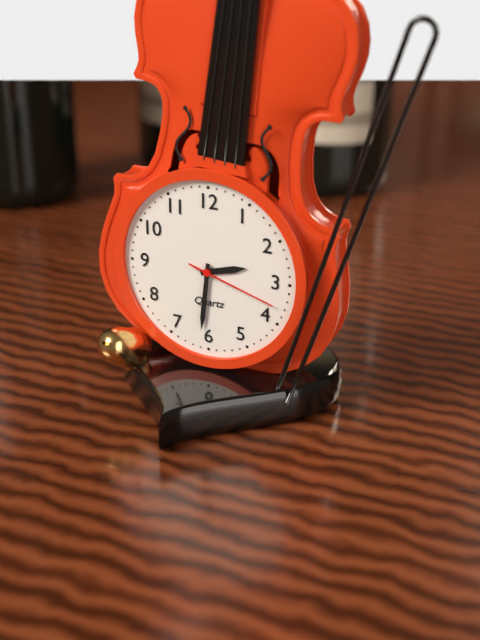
2 h 31 min 18 s
